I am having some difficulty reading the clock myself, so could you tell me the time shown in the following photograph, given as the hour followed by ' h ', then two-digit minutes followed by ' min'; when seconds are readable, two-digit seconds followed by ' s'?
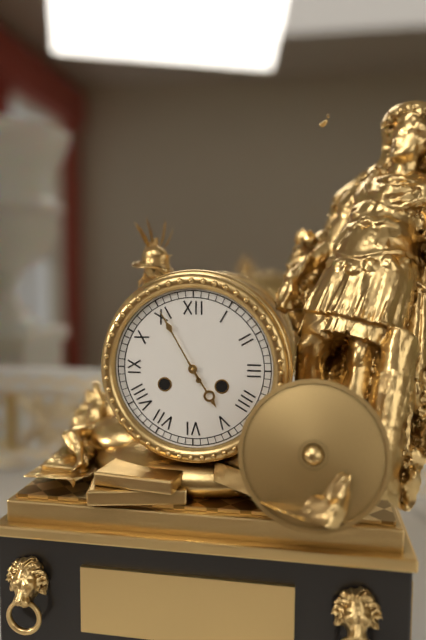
4 h 55 min
